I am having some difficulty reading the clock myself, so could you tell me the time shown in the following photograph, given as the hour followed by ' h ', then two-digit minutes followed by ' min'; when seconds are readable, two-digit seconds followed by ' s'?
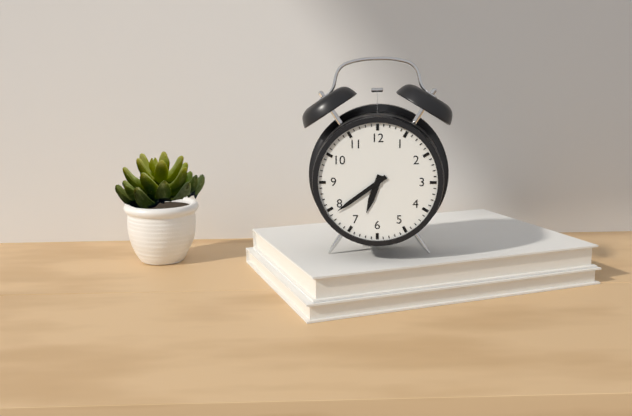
6 h 39 min
